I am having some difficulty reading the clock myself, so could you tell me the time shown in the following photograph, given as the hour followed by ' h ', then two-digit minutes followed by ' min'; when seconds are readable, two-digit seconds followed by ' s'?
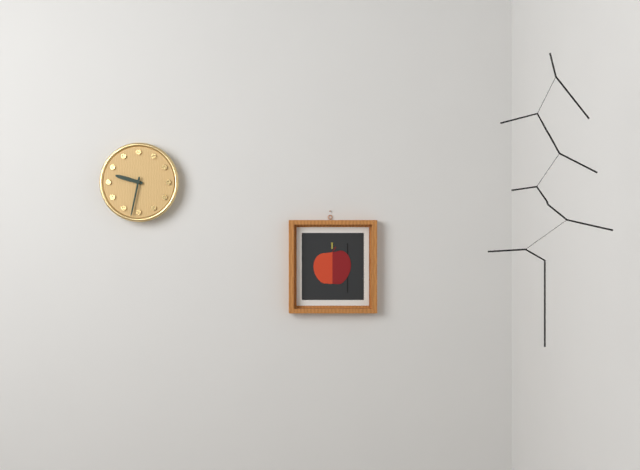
9 h 32 min
